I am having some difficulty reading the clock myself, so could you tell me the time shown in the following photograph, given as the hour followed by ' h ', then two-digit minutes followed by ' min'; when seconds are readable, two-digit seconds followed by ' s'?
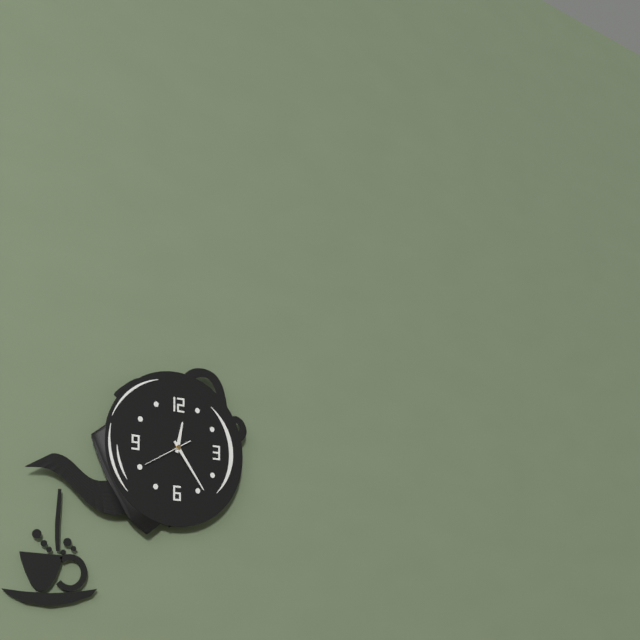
12 h 24 min
